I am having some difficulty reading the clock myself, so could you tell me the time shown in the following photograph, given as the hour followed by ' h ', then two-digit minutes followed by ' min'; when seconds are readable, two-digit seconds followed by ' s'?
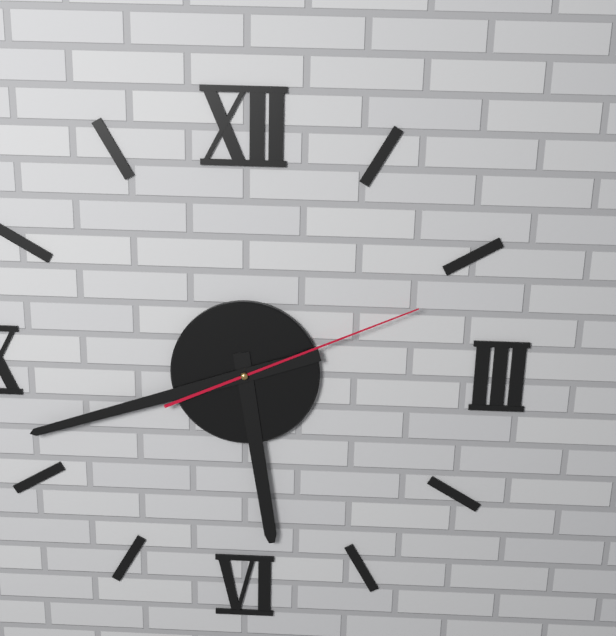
5 h 42 min 11 s
